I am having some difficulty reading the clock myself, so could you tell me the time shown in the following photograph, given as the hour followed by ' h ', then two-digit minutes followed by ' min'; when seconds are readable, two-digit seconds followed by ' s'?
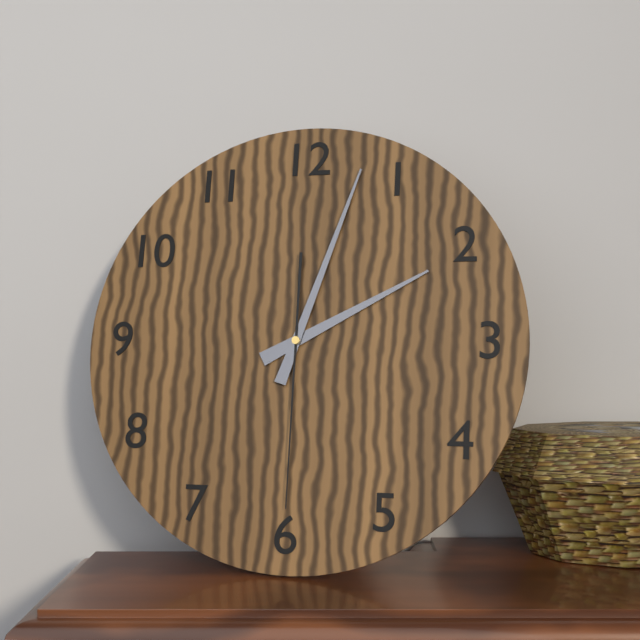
2 h 03 min 30 s
